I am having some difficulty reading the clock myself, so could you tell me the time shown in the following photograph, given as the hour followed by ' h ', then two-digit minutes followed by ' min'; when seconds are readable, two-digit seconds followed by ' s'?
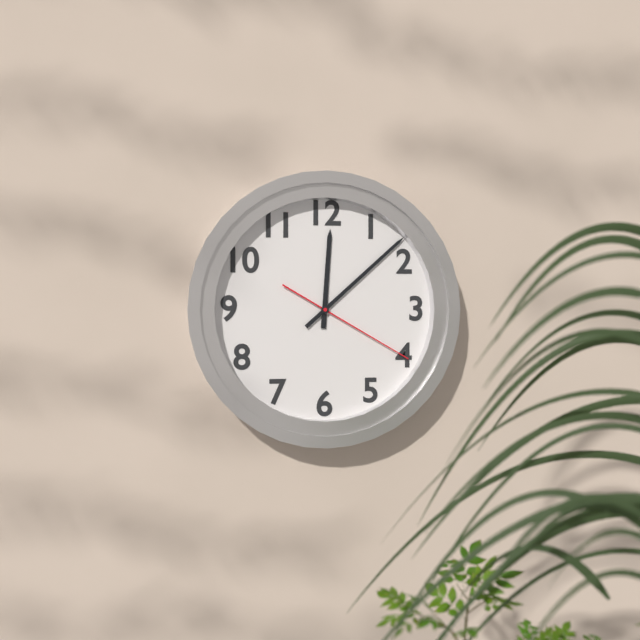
12 h 08 min 20 s
